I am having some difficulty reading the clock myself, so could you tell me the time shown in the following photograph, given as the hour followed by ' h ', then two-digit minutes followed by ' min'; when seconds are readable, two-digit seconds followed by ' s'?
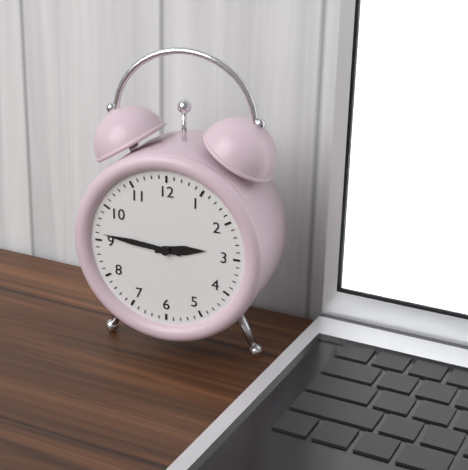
2 h 46 min
